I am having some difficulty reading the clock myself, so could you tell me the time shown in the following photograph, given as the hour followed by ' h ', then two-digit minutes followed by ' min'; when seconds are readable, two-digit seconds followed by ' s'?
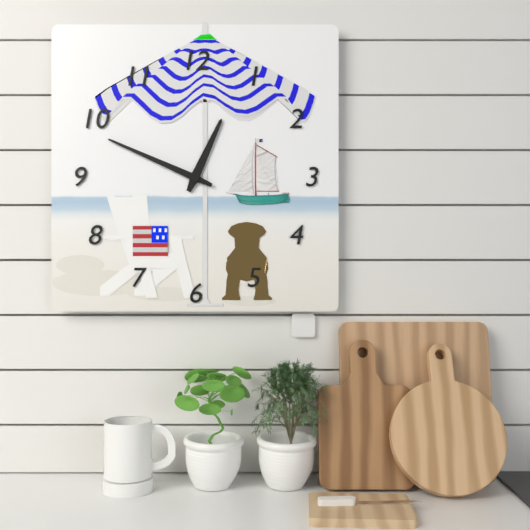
12 h 49 min
